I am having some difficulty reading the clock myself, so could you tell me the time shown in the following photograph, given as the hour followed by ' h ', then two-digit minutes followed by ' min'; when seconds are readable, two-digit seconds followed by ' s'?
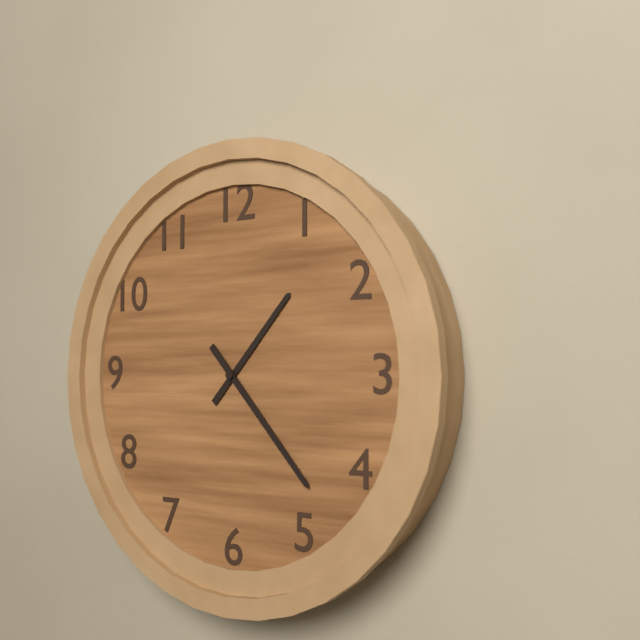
1 h 23 min
